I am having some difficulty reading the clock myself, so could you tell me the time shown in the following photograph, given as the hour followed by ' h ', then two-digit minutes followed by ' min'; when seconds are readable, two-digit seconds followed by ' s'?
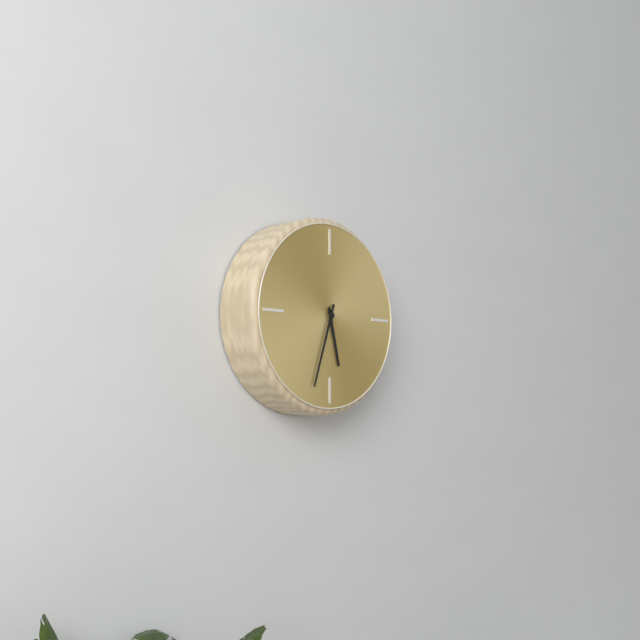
5 h 33 min
